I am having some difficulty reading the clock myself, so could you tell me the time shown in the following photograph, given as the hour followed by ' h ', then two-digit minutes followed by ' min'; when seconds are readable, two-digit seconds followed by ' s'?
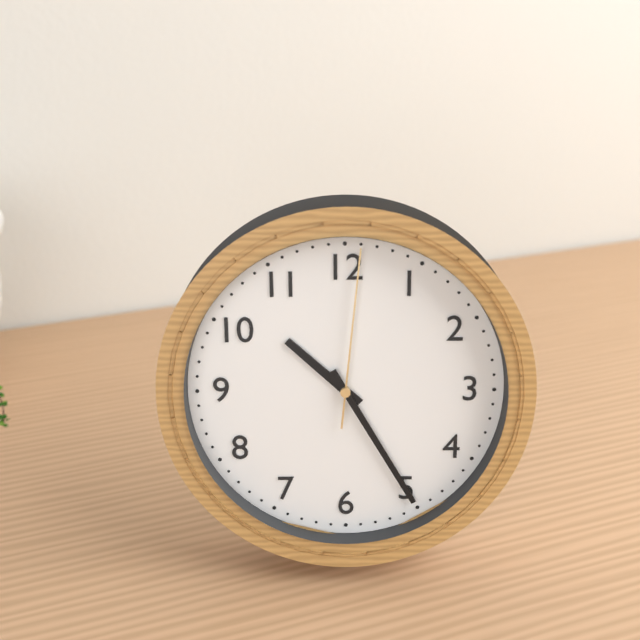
10 h 25 min 01 s
